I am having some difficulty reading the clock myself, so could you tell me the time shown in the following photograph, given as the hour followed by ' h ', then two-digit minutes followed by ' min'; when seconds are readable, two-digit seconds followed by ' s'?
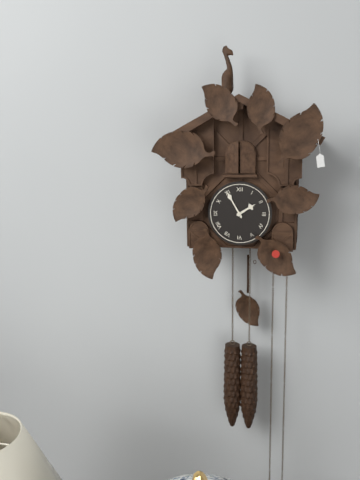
1 h 55 min
